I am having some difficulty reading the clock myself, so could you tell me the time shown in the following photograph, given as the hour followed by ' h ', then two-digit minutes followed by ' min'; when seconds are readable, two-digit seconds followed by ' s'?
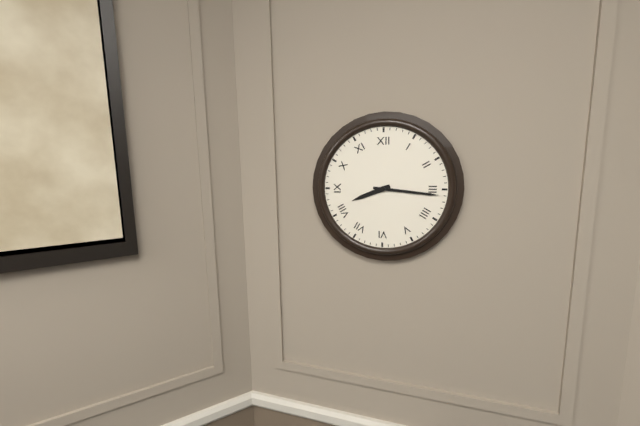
8 h 16 min
